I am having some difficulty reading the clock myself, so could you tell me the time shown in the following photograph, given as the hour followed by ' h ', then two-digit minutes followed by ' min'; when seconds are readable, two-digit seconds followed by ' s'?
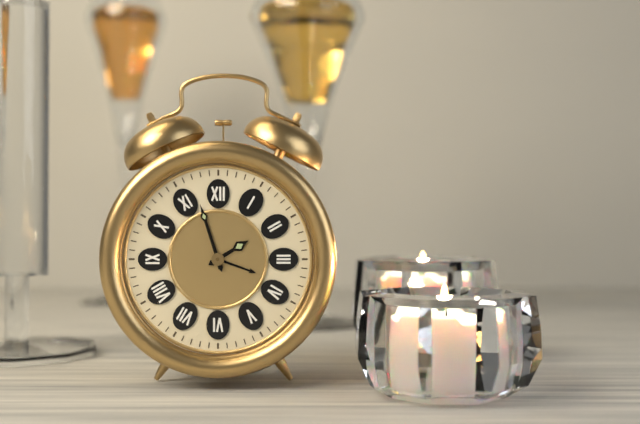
1 h 57 min
